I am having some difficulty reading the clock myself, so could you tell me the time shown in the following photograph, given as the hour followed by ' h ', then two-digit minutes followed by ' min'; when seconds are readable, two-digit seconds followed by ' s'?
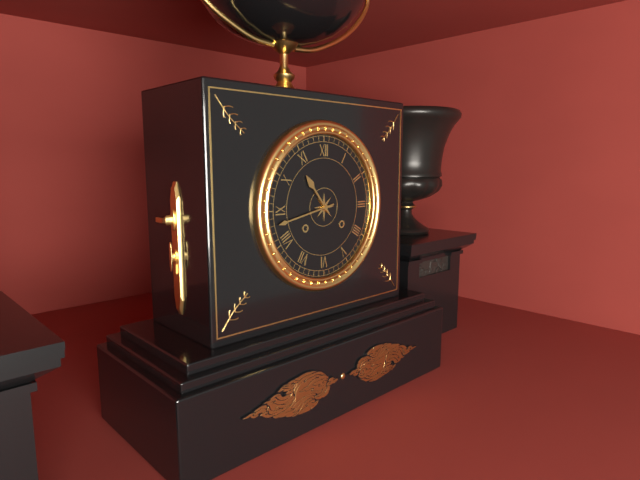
10 h 43 min
